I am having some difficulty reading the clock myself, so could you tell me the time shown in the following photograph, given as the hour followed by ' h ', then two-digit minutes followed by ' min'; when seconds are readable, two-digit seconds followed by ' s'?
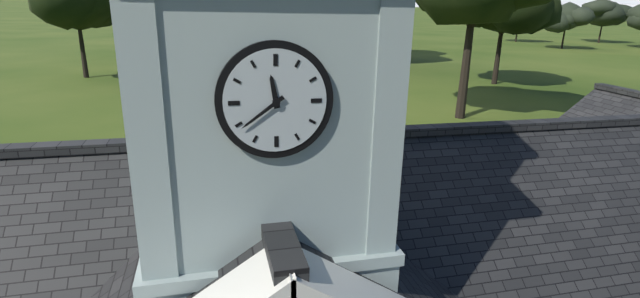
11 h 39 min
